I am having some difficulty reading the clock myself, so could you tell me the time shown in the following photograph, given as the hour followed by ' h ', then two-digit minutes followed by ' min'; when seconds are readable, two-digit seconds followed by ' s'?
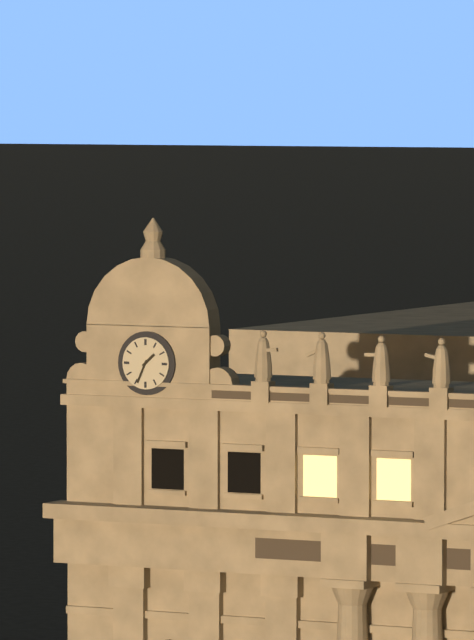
1 h 34 min
